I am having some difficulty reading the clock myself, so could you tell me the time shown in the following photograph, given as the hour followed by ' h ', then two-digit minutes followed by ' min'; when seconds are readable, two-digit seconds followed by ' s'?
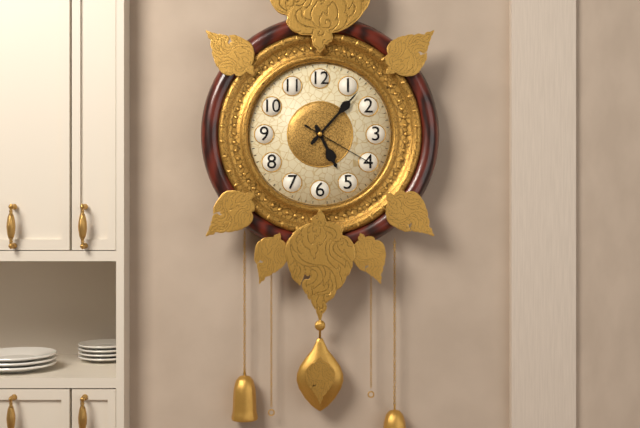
5 h 07 min 20 s
